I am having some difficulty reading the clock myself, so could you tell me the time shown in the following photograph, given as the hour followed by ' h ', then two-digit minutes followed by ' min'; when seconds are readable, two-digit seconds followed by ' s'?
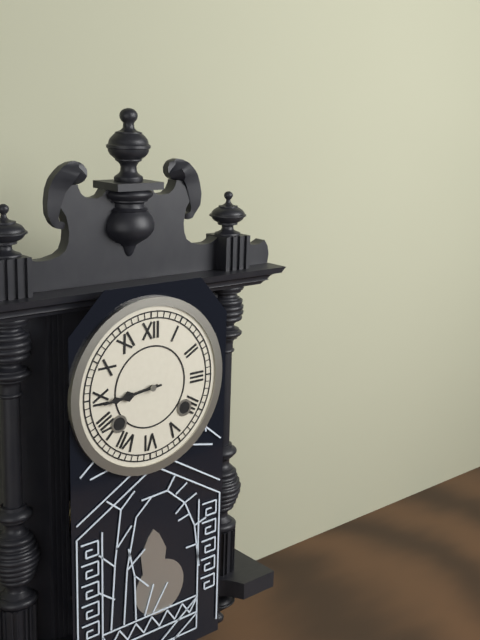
8 h 44 min
